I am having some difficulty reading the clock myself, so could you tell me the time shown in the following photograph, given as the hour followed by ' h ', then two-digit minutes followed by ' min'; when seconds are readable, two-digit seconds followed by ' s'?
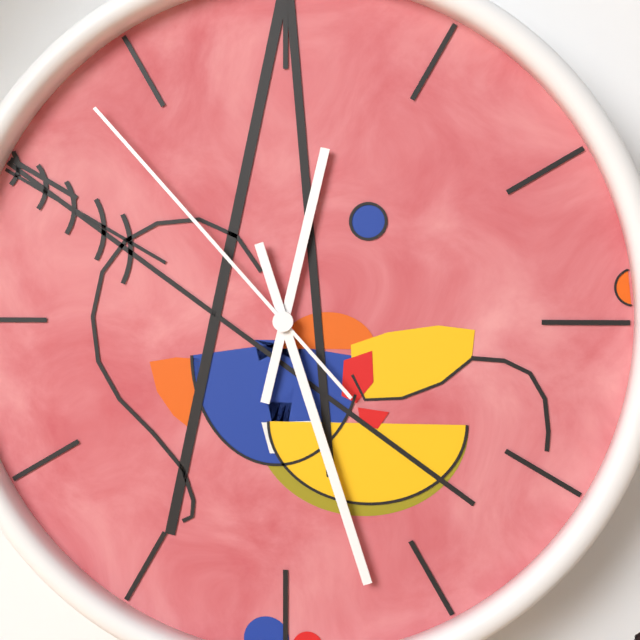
12 h 27 min 53 s
